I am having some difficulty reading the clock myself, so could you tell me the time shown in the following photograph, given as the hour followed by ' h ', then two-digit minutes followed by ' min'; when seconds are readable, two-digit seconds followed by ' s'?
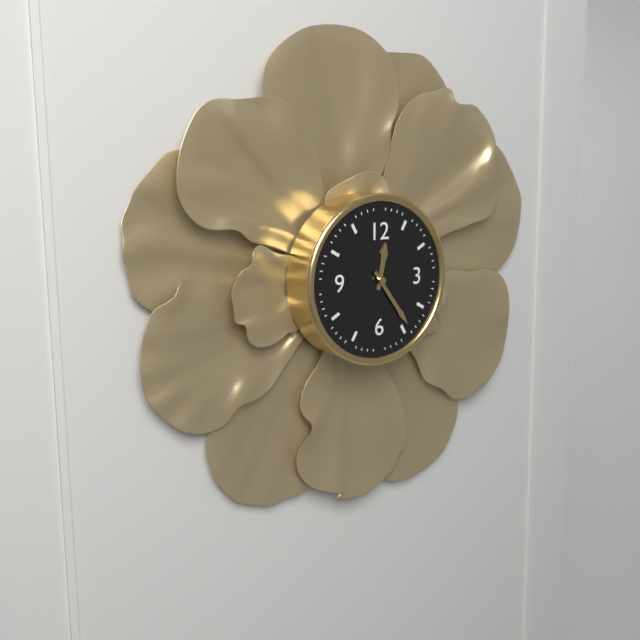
12 h 24 min
